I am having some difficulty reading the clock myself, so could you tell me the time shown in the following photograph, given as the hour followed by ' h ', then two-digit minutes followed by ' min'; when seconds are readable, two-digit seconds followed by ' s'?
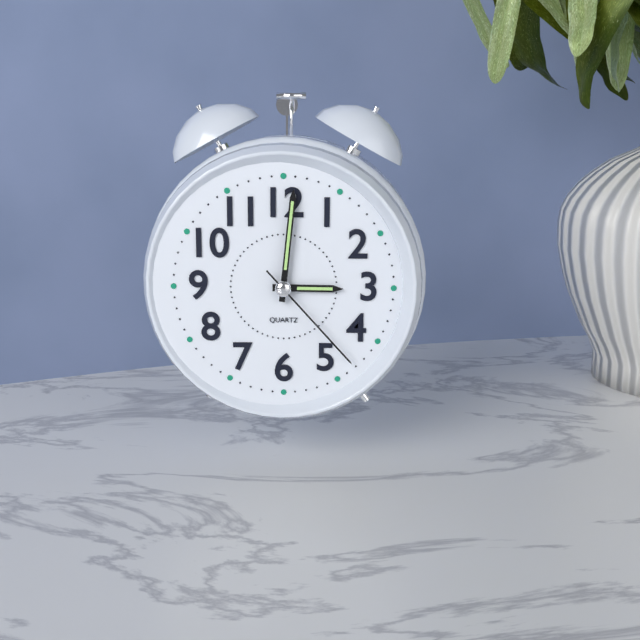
3 h 01 min 23 s
